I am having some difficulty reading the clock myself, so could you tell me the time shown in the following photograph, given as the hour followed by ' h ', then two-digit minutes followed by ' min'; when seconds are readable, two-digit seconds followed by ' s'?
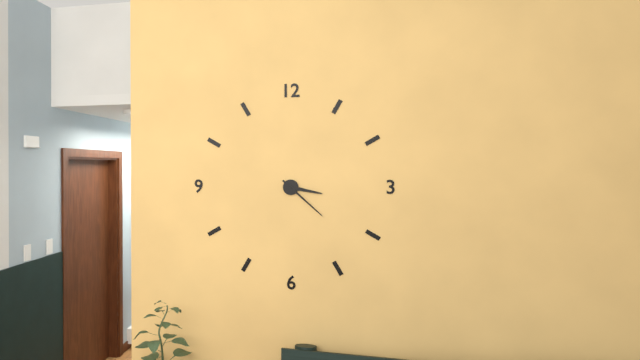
3 h 22 min
